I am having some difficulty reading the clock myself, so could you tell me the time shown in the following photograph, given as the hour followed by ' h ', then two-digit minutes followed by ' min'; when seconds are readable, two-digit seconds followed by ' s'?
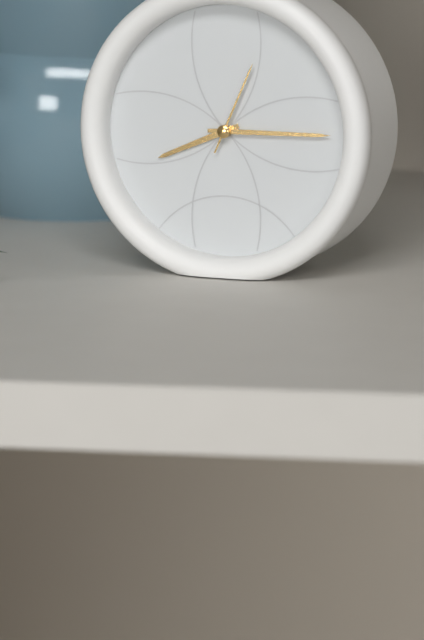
8 h 15 min 04 s
